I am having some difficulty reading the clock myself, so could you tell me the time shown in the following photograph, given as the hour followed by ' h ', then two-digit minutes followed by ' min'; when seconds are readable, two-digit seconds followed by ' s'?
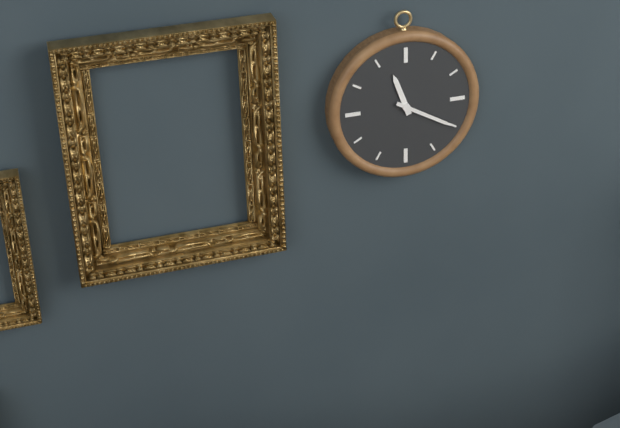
11 h 20 min
